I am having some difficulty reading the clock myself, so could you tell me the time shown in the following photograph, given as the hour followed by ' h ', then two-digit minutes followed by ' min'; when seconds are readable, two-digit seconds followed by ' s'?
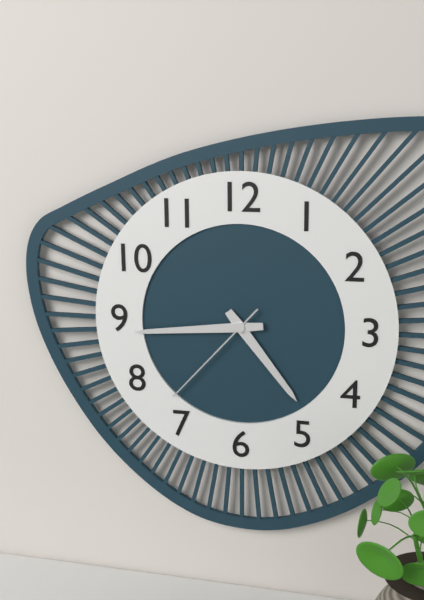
4 h 44 min 37 s
